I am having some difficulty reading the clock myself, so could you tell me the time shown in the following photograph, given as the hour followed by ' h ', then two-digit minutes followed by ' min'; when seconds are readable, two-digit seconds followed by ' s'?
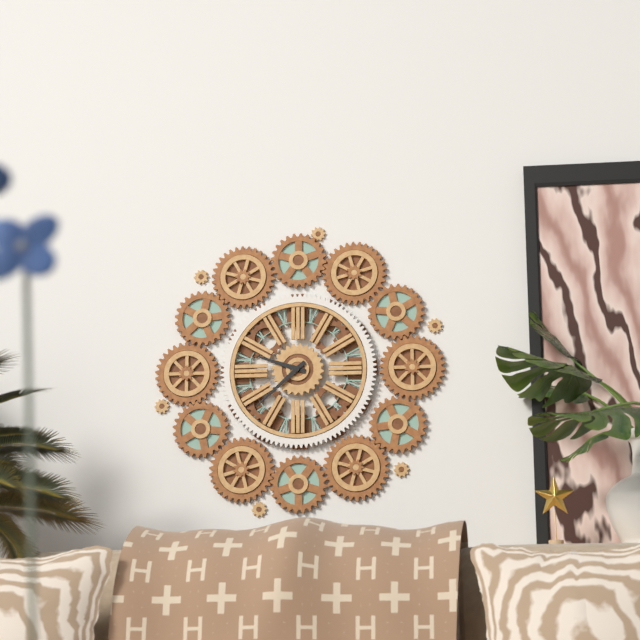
9 h 38 min
